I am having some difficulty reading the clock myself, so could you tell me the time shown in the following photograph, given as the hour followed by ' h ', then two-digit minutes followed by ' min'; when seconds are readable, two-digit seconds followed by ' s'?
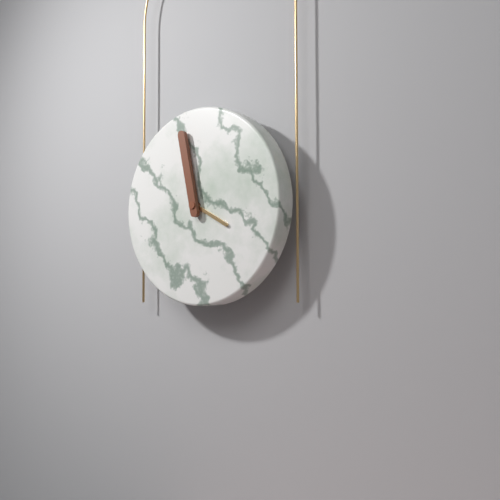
3 h 58 min
